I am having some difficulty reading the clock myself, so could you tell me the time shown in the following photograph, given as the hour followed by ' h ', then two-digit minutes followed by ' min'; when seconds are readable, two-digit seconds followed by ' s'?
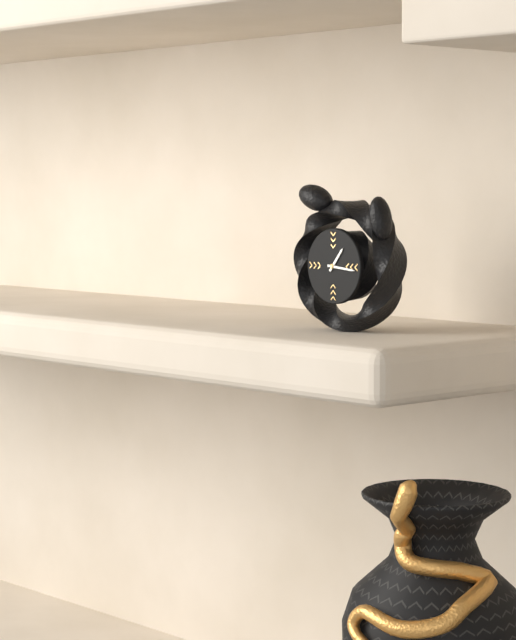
1 h 16 min
